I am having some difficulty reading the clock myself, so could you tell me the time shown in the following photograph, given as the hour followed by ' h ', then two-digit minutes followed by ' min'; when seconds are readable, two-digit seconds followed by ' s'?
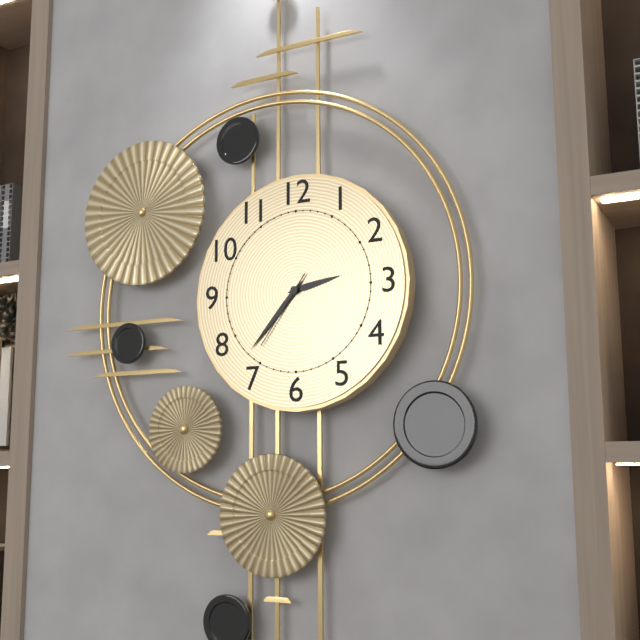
2 h 37 min 36 s
